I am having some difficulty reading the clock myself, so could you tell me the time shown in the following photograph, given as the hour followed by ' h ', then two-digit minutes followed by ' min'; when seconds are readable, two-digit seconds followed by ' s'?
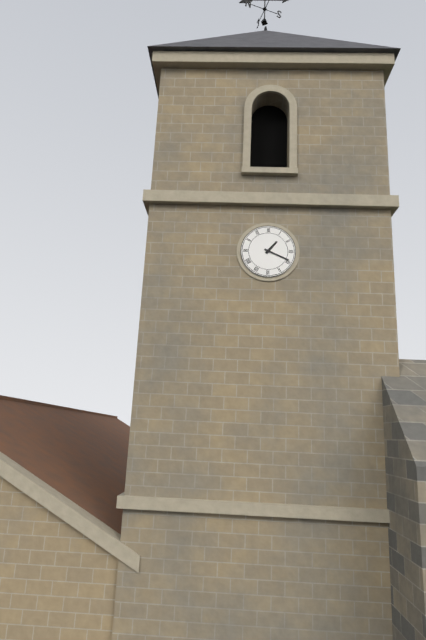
1 h 19 min
